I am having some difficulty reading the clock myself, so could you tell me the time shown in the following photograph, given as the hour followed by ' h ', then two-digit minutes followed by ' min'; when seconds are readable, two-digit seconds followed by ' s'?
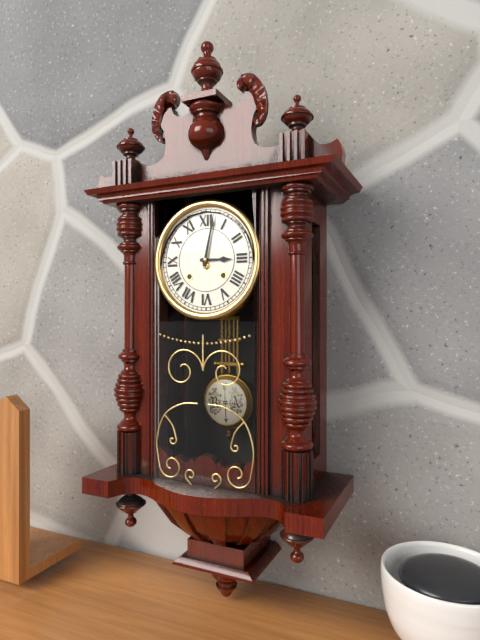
3 h 02 min
